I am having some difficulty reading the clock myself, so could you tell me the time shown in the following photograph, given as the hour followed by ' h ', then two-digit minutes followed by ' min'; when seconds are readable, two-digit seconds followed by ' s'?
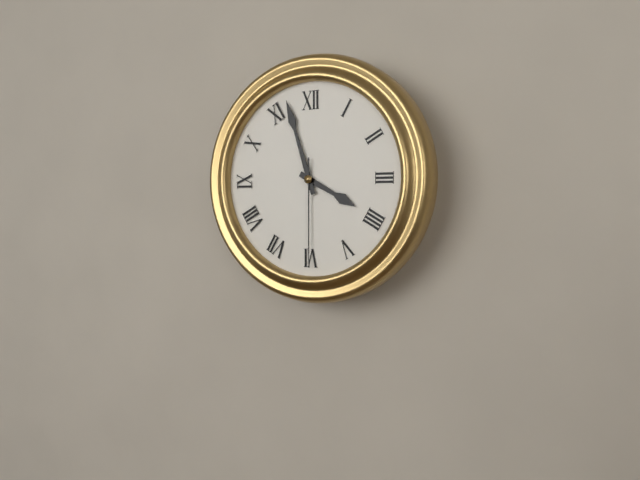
3 h 57 min 30 s
